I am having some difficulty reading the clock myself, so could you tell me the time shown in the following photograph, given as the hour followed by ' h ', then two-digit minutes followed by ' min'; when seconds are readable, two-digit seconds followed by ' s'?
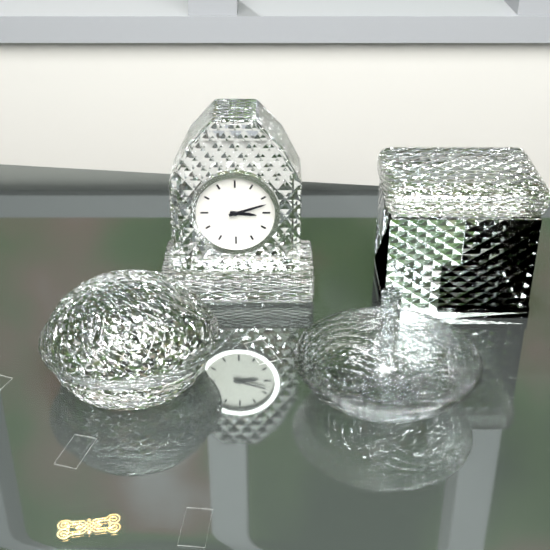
3 h 12 min
